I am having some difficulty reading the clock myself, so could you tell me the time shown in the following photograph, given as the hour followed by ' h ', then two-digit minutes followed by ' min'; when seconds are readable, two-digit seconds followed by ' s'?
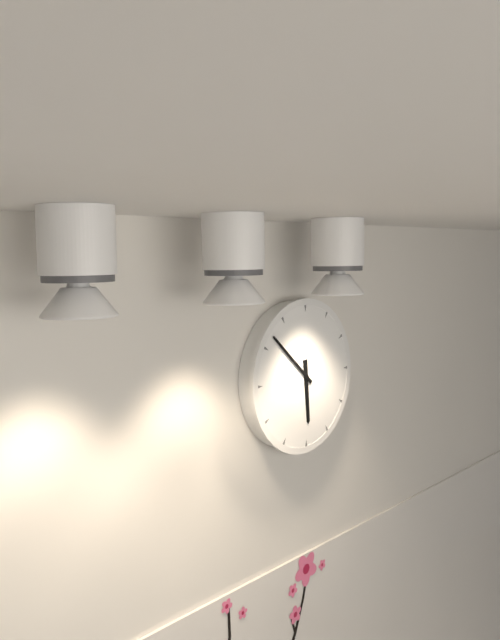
5 h 52 min
